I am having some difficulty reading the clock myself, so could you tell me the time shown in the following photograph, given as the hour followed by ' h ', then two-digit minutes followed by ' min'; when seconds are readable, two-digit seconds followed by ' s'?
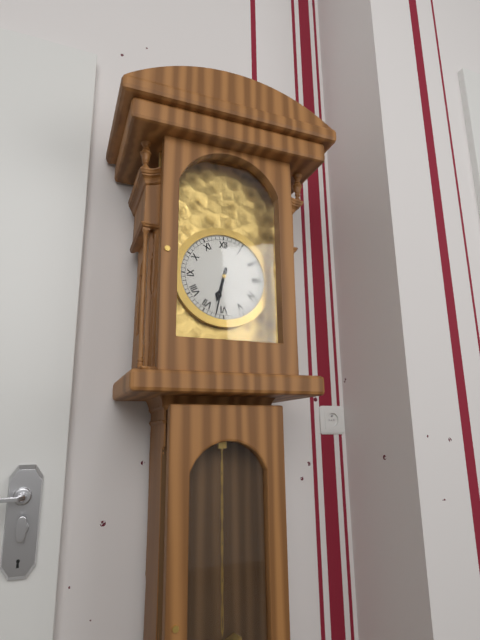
6 h 32 min
